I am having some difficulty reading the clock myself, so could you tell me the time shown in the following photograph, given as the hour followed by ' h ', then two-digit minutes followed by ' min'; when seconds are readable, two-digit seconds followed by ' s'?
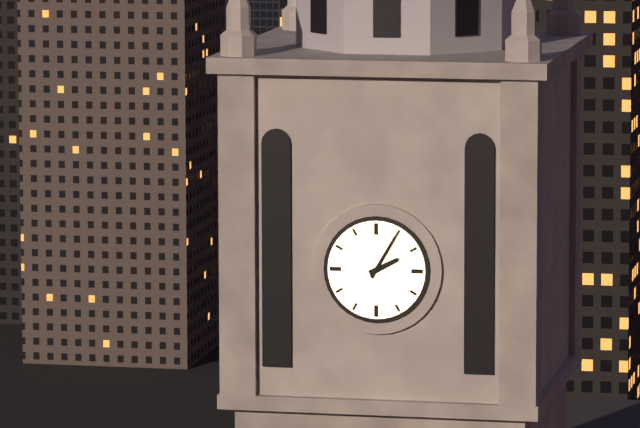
2 h 05 min
